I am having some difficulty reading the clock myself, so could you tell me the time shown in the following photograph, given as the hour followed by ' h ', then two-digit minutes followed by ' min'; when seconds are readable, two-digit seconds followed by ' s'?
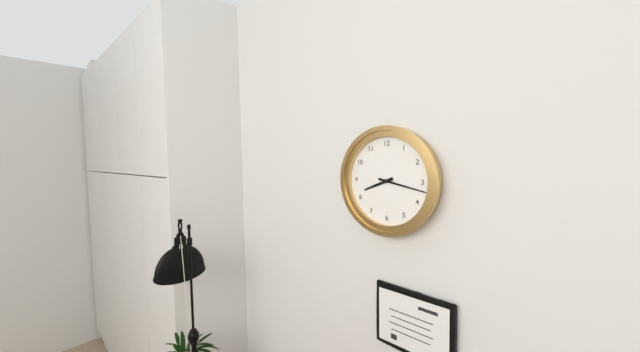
8 h 17 min
